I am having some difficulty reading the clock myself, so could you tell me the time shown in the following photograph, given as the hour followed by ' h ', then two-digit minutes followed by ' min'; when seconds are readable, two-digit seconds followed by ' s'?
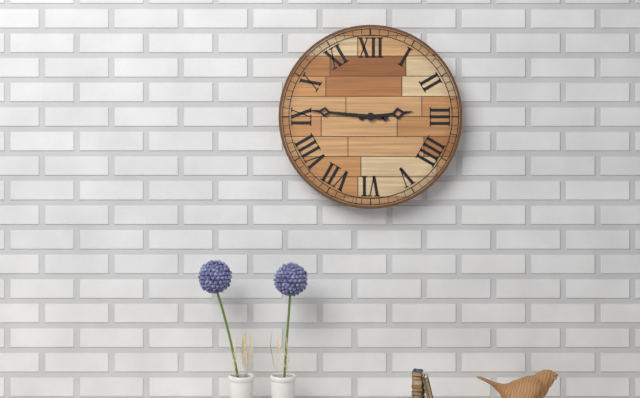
2 h 46 min
